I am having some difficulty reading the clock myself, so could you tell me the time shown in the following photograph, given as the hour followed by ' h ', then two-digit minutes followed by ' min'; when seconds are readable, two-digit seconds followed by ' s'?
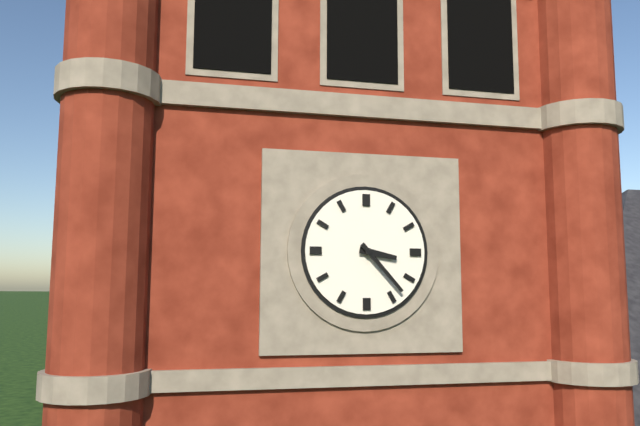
3 h 23 min
